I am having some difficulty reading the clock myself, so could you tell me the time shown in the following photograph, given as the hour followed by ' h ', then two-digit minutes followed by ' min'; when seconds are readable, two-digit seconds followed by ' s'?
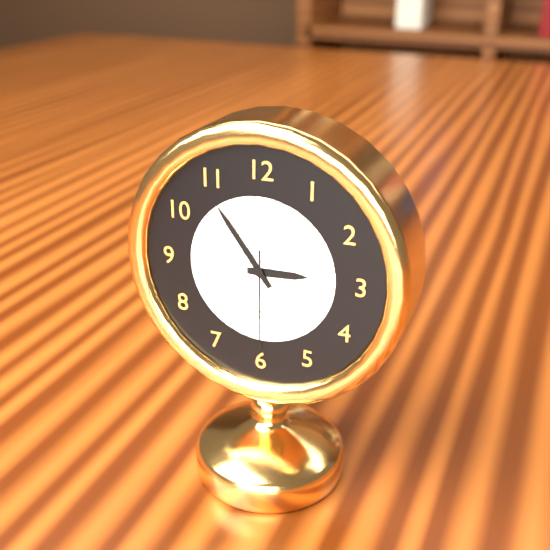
2 h 54 min 30 s
